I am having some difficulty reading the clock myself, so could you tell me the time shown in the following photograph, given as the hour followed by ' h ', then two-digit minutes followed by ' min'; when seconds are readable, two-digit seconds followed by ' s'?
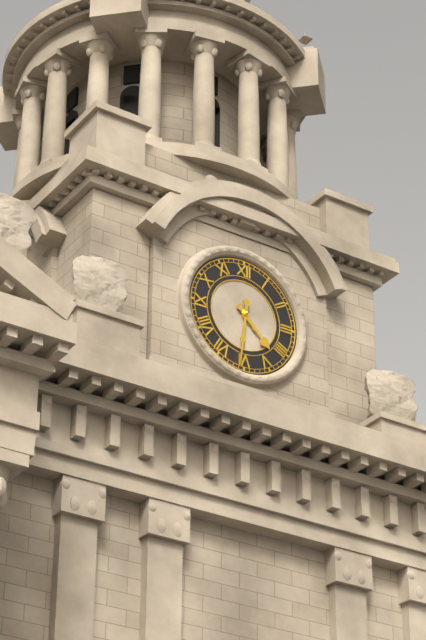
4 h 31 min
